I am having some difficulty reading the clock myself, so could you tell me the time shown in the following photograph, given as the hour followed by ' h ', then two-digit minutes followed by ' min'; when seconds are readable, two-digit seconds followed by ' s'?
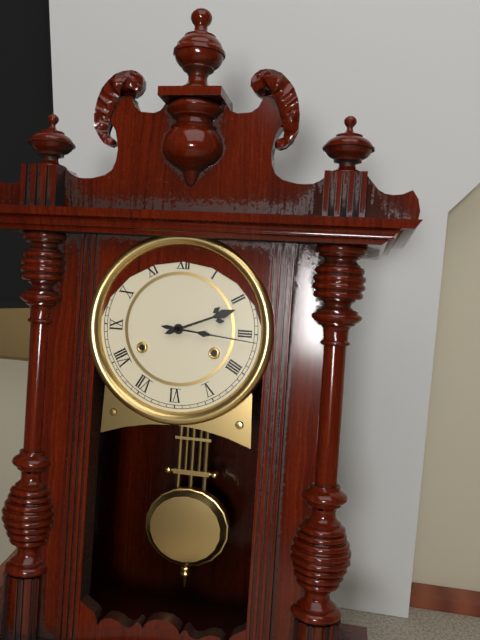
2 h 16 min
